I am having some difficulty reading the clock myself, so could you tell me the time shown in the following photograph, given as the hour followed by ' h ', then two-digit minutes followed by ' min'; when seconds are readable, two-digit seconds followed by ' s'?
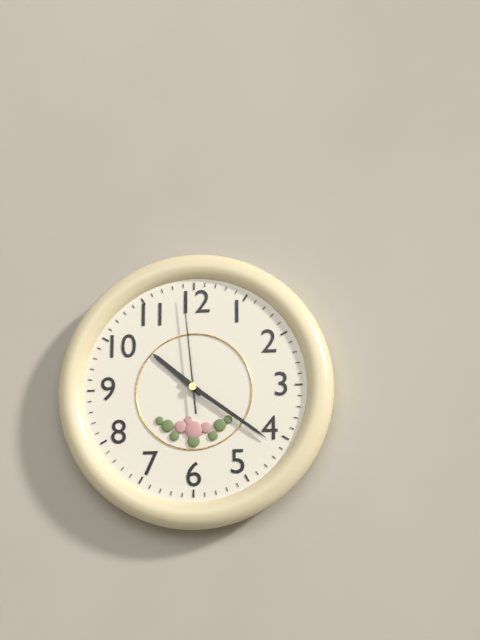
10 h 21 min 59 s
